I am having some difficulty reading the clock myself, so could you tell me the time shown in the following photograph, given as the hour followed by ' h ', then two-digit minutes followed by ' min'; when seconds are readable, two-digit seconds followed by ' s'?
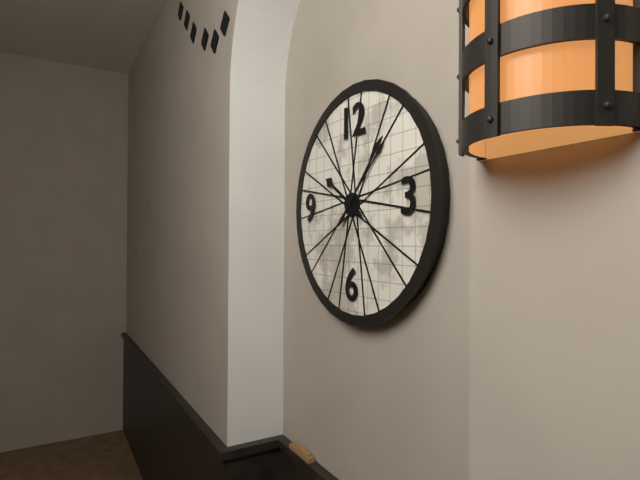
10 h 07 min
